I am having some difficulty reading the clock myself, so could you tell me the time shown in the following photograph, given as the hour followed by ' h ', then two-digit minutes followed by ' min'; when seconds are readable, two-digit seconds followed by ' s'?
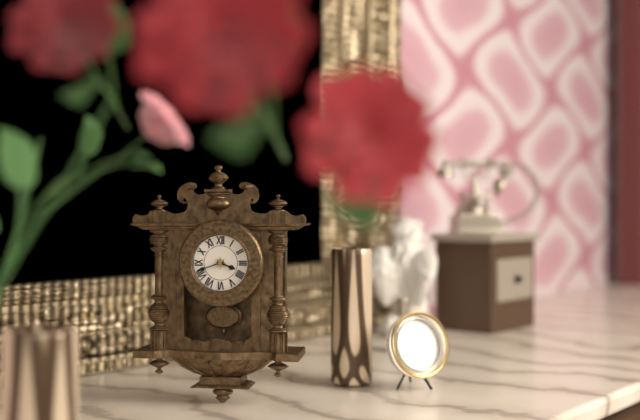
3 h 42 min
